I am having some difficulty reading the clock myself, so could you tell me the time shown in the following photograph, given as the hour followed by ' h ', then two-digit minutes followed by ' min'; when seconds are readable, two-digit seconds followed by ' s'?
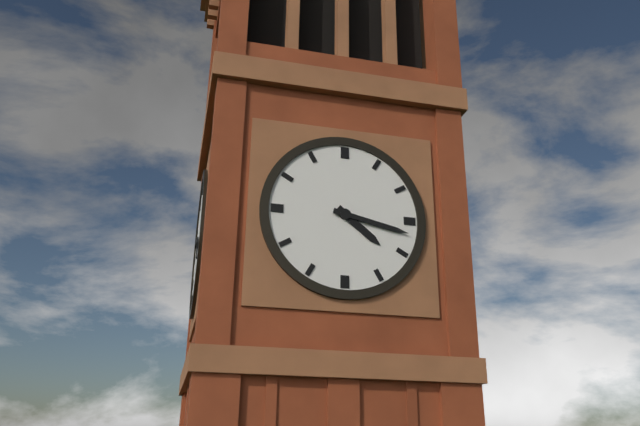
4 h 17 min
